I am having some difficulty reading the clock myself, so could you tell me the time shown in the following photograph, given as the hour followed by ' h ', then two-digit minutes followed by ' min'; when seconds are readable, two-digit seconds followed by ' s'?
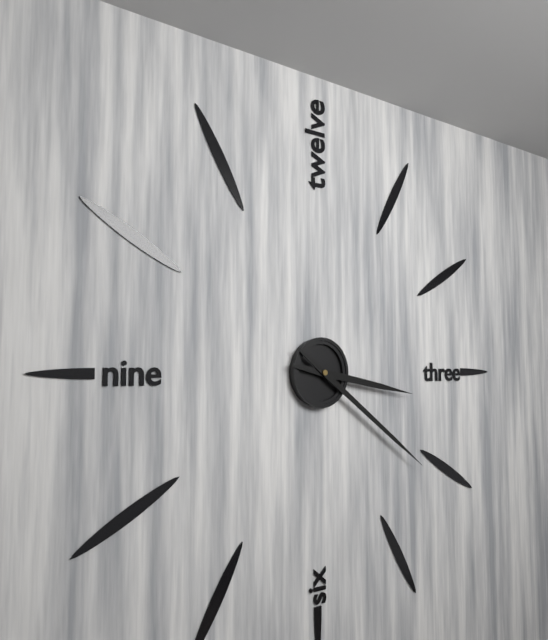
3 h 21 min
